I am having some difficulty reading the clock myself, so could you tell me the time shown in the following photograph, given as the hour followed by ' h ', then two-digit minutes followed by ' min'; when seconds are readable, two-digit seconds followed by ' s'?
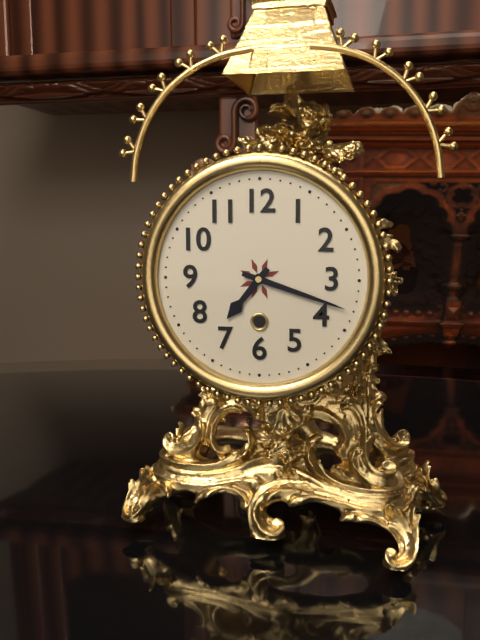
7 h 18 min
